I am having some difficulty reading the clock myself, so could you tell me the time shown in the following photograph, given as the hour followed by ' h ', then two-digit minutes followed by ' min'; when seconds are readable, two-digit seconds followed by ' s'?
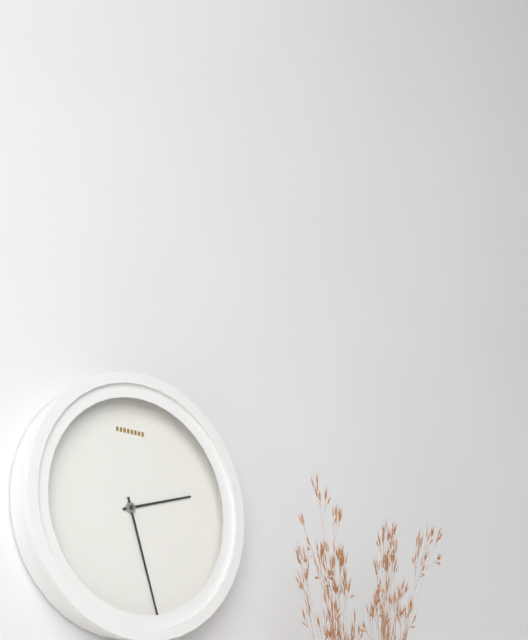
2 h 27 min
